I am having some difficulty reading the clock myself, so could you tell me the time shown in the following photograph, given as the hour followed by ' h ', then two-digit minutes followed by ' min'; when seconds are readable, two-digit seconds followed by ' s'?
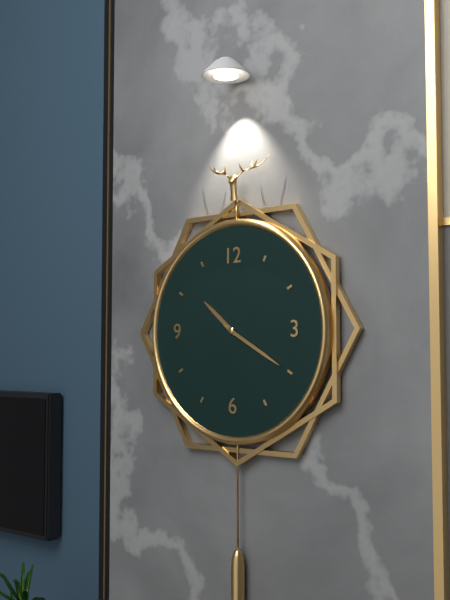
10 h 20 min
